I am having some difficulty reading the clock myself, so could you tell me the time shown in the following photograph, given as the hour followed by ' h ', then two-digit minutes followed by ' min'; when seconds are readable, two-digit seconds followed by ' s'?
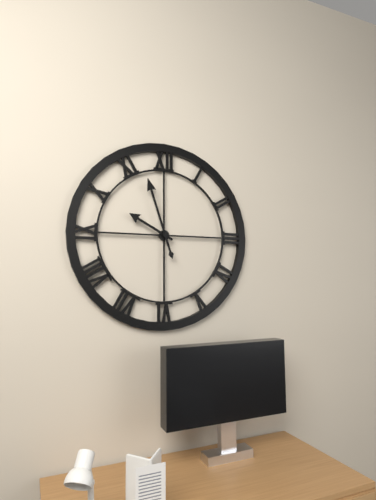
9 h 57 min
